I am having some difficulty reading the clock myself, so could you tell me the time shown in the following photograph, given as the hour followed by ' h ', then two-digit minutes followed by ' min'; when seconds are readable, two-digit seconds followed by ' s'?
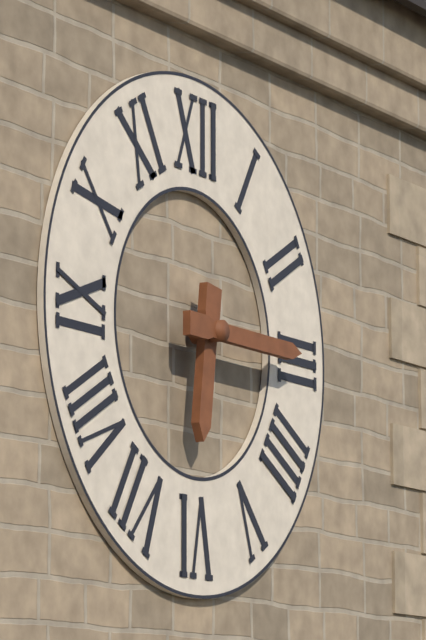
6 h 15 min
